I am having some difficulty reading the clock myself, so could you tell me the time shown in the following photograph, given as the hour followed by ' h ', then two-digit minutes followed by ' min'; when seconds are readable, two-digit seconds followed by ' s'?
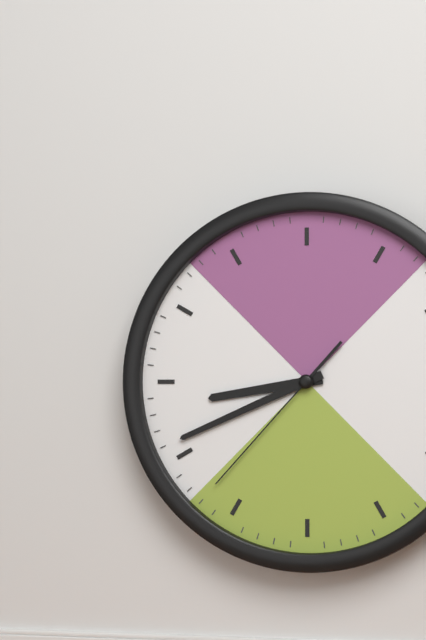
8 h 41 min 37 s
